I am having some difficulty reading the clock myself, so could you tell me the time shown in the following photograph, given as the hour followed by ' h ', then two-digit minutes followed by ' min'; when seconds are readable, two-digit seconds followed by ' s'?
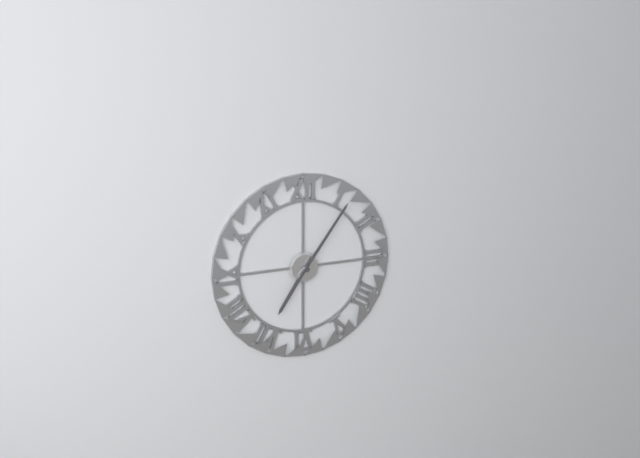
7 h 06 min
